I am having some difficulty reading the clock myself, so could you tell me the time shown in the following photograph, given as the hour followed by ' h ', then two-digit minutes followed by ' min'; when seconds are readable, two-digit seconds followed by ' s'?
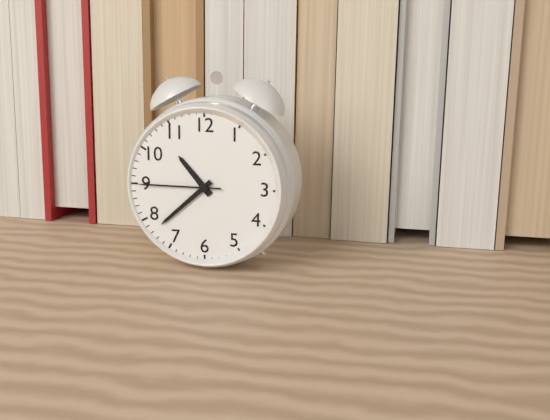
10 h 38 min 45 s
